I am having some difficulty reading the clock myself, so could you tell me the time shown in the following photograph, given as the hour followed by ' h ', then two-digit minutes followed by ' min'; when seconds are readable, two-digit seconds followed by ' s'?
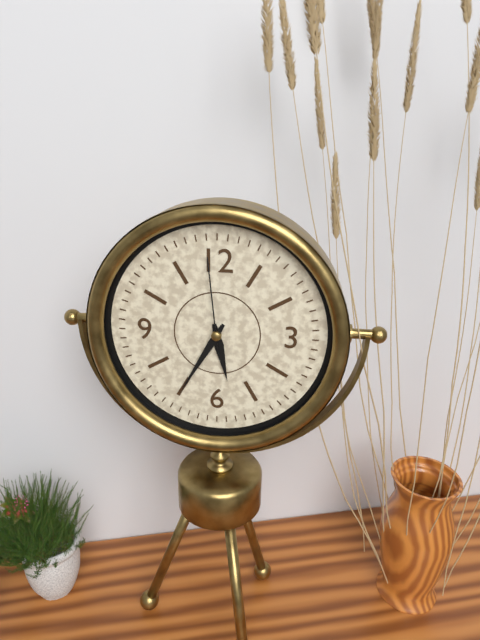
5 h 35 min 59 s
